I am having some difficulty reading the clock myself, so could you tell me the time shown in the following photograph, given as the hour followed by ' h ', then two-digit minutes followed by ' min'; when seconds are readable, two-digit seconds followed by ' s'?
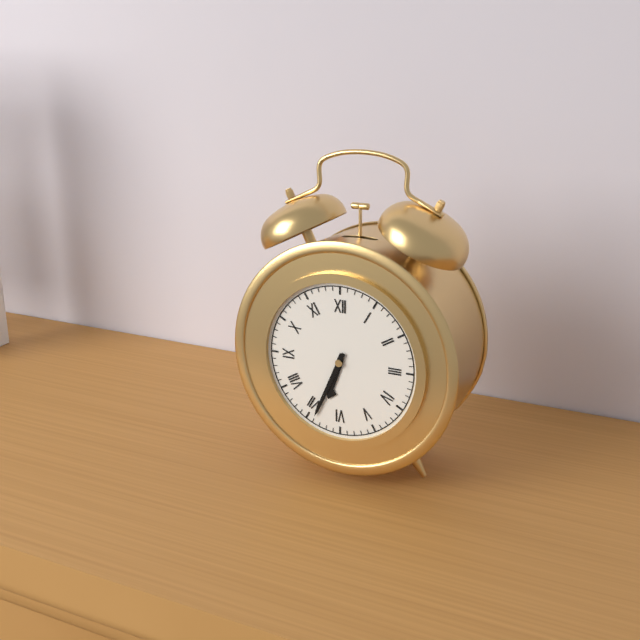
6 h 34 min
